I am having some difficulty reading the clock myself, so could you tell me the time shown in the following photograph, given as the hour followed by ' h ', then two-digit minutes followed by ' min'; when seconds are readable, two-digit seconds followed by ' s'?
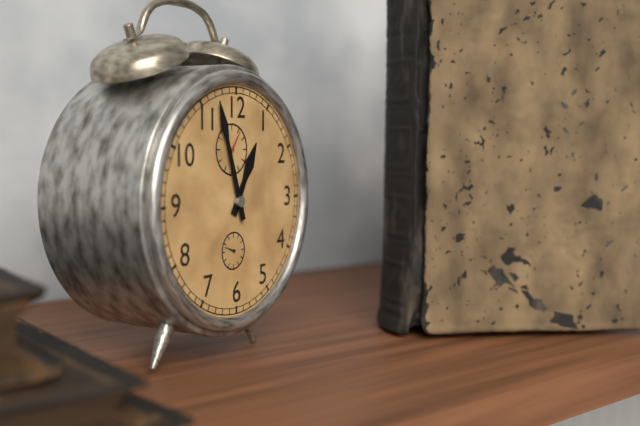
12 h 57 min
